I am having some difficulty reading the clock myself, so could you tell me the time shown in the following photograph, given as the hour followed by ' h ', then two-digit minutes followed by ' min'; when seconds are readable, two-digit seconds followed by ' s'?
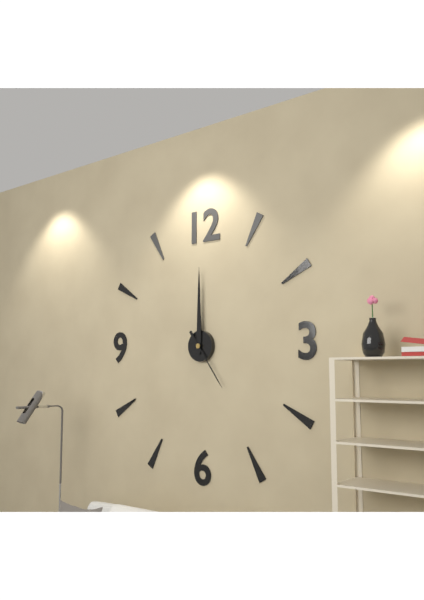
12 h 00 min 24 s
